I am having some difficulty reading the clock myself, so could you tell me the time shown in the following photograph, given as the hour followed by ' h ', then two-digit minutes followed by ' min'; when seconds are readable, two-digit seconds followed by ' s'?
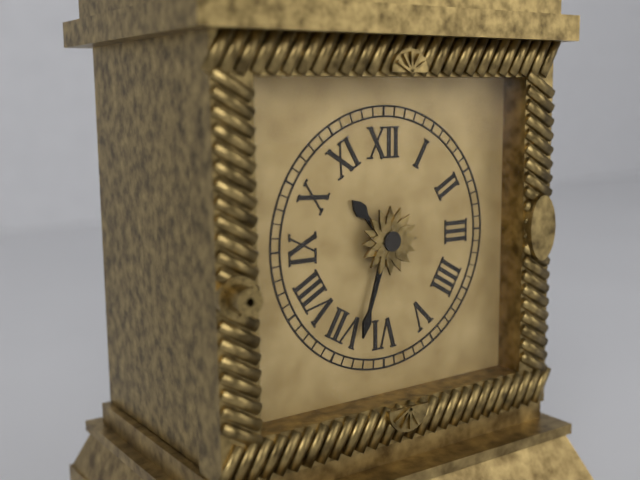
10 h 33 min
